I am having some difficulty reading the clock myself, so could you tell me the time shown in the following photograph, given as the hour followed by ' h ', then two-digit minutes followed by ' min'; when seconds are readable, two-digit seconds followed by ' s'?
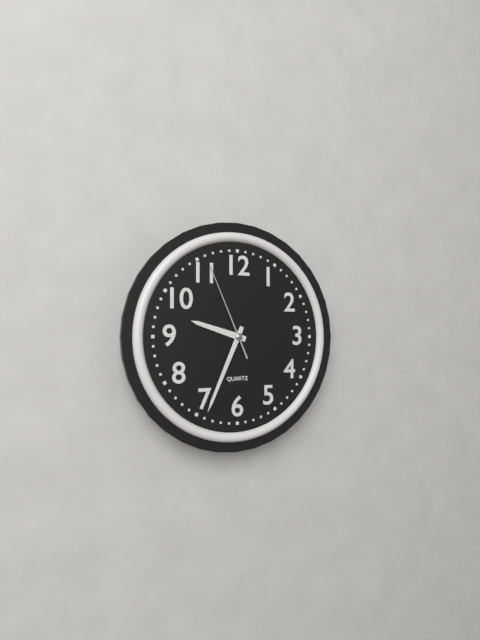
9 h 34 min 56 s
